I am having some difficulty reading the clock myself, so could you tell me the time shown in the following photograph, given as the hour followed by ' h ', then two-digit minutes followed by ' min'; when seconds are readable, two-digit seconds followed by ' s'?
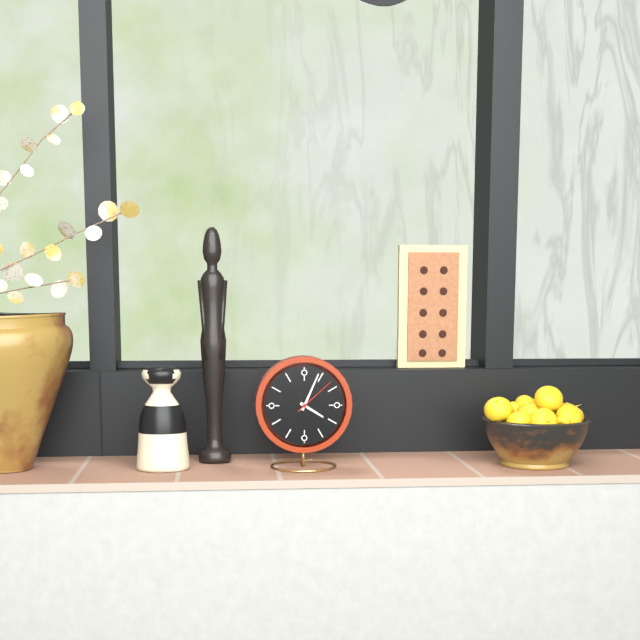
4 h 04 min
